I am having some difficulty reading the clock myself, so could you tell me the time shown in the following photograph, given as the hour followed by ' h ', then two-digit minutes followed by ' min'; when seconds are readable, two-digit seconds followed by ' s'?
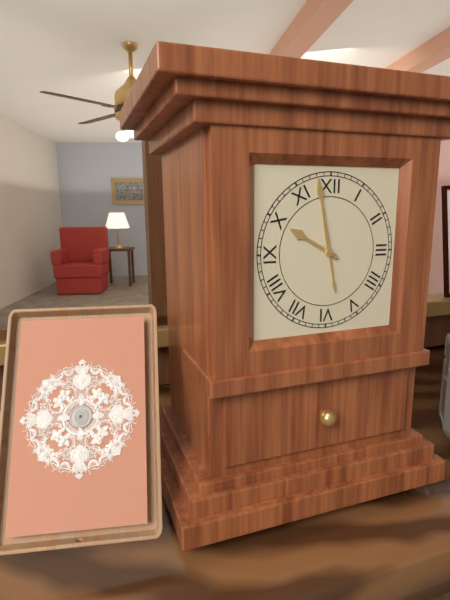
9 h 58 min
